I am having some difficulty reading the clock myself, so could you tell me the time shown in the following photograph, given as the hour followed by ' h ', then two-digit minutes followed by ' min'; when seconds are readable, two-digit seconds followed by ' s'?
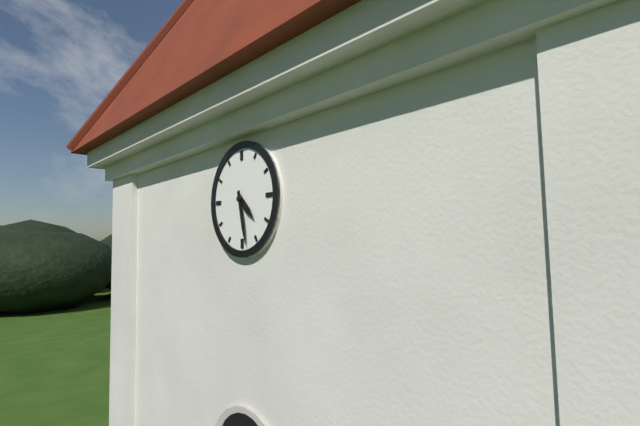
4 h 28 min
